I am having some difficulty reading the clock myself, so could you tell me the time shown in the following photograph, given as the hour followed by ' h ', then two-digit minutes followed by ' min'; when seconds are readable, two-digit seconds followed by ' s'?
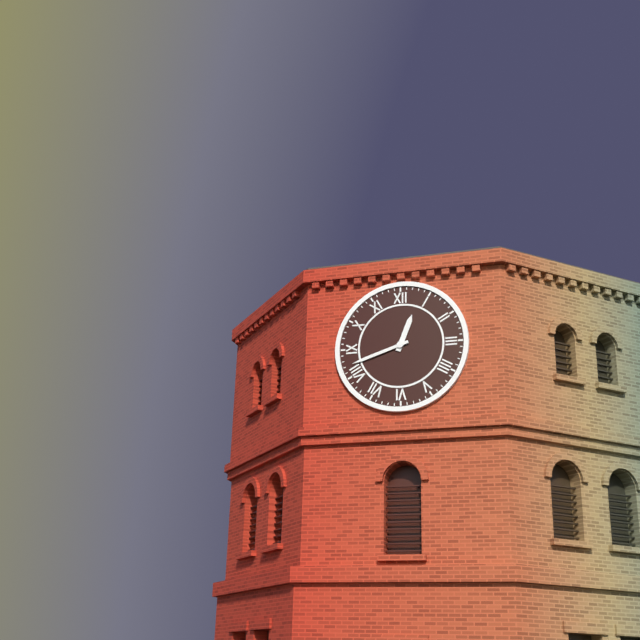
12 h 42 min
